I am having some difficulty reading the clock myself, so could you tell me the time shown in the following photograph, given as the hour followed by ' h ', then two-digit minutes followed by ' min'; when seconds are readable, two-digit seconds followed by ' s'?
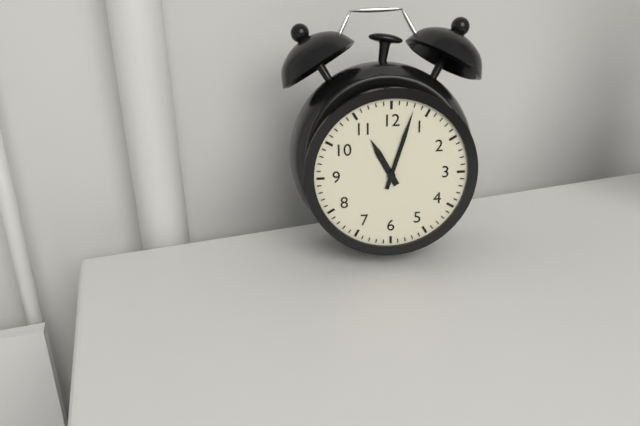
11 h 03 min
